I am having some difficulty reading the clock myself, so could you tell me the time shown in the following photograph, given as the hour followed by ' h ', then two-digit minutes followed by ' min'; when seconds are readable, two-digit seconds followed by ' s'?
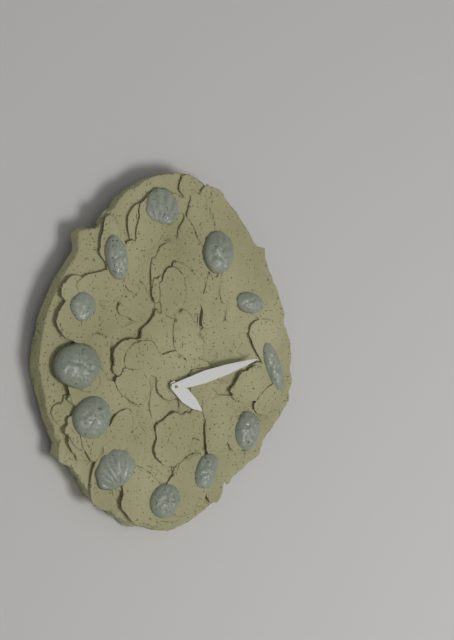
4 h 13 min
